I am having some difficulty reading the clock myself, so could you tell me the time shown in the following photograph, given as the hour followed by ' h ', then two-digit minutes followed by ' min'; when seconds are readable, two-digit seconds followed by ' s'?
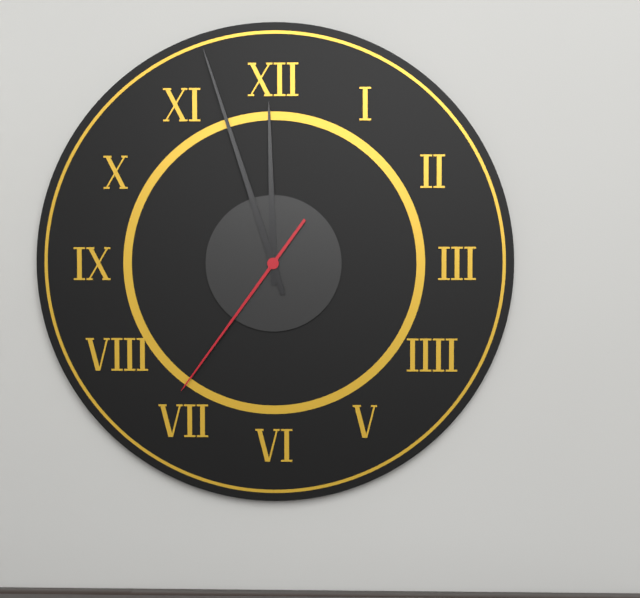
11 h 57 min 36 s
